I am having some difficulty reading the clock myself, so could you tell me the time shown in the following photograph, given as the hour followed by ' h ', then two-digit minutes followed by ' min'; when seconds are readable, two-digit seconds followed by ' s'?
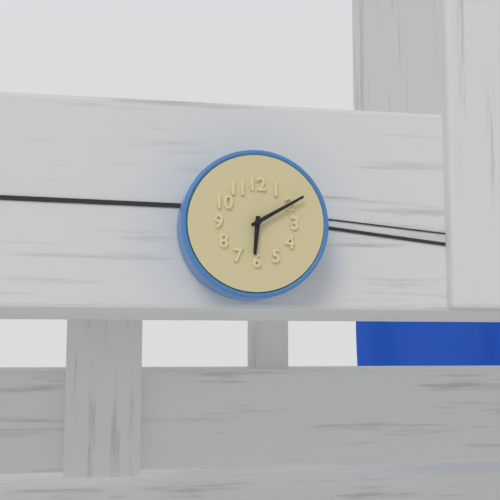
6 h 10 min
